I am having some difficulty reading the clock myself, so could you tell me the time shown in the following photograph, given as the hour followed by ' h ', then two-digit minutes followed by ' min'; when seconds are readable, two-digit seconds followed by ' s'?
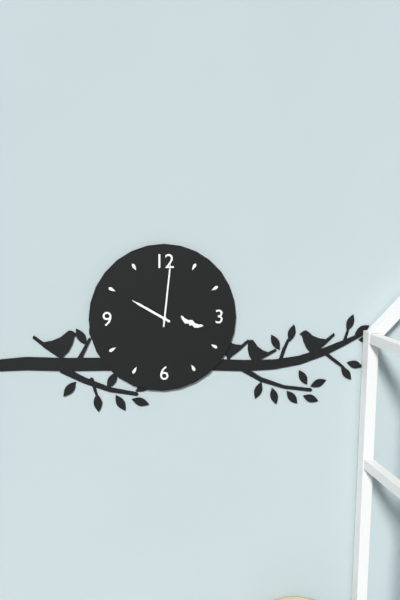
10 h 01 min
